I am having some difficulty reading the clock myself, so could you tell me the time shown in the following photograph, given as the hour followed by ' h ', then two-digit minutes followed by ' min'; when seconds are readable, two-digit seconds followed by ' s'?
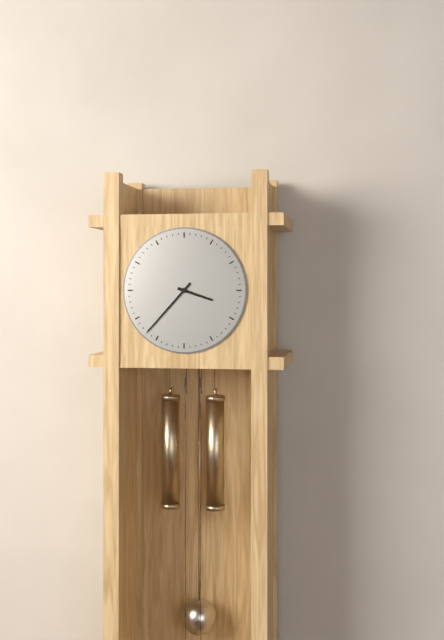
3 h 37 min
